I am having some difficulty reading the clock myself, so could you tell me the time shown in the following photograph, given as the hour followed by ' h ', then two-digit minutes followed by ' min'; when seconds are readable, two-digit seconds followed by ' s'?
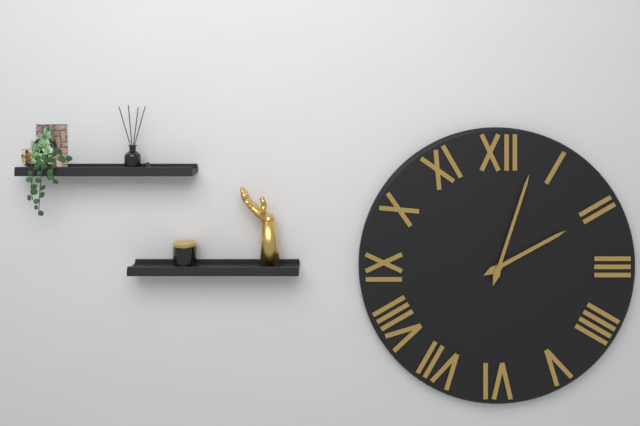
2 h 03 min
